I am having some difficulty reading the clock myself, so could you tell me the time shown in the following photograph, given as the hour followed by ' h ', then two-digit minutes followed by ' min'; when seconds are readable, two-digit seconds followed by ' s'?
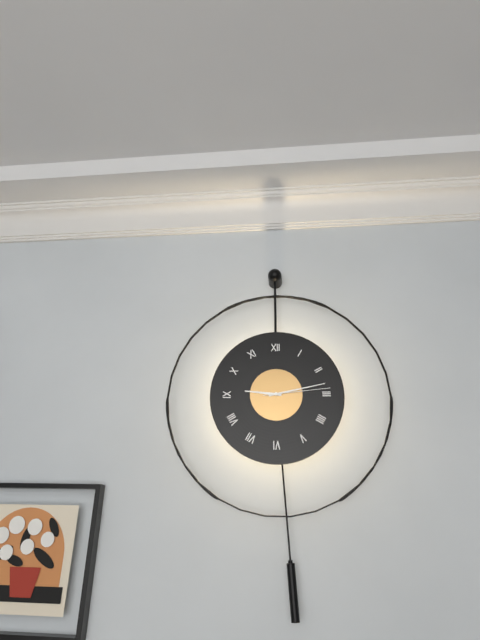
9 h 13 min 14 s
